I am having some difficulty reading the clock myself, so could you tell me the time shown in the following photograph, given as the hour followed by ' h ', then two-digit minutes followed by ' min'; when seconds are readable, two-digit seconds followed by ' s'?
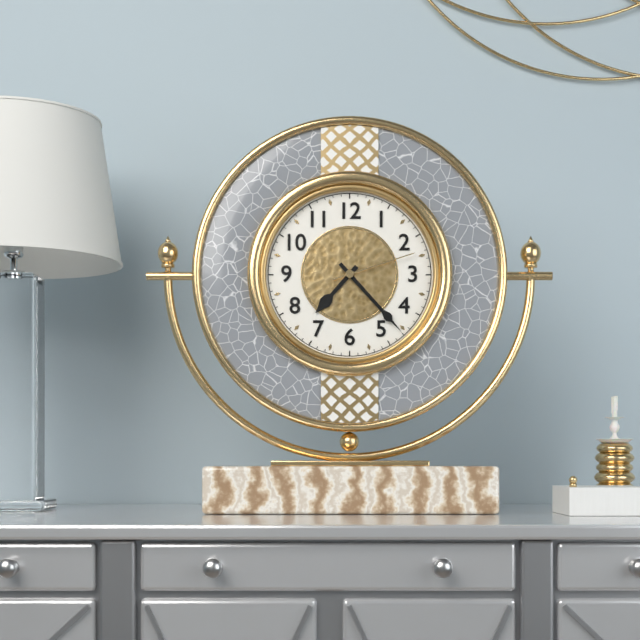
7 h 23 min 12 s
